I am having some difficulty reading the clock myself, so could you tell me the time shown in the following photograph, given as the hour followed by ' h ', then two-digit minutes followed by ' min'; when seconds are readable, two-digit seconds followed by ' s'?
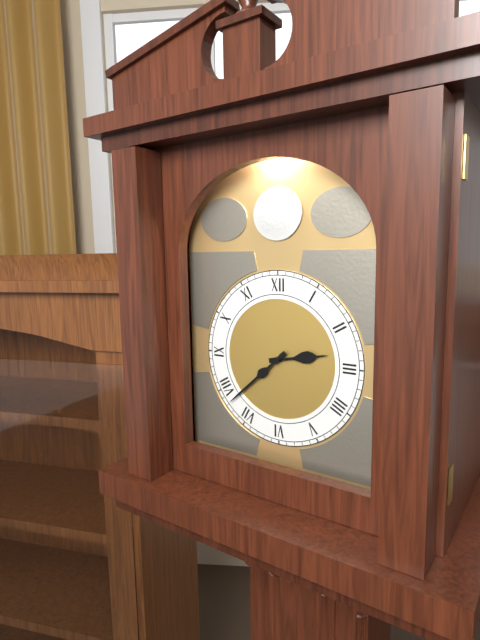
2 h 38 min
